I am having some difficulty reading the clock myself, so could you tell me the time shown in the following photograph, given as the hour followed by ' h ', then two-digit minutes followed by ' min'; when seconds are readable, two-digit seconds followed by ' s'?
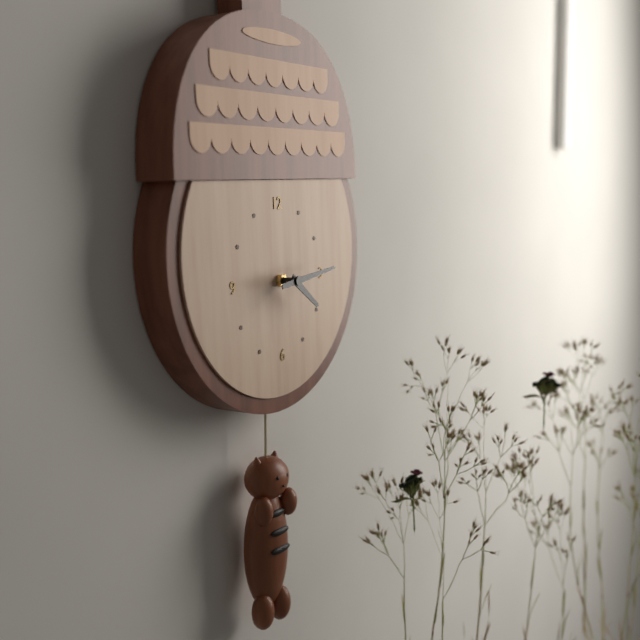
4 h 14 min
